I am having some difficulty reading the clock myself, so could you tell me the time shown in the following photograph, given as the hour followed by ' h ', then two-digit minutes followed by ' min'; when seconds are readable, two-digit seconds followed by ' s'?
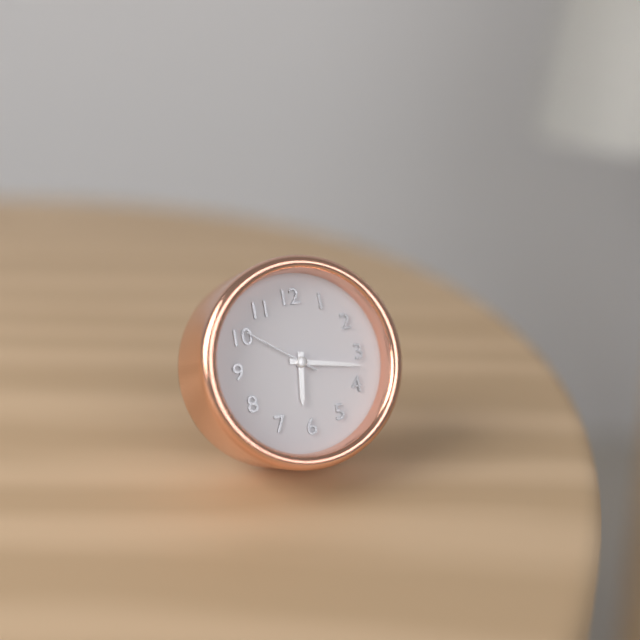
6 h 17 min 51 s
